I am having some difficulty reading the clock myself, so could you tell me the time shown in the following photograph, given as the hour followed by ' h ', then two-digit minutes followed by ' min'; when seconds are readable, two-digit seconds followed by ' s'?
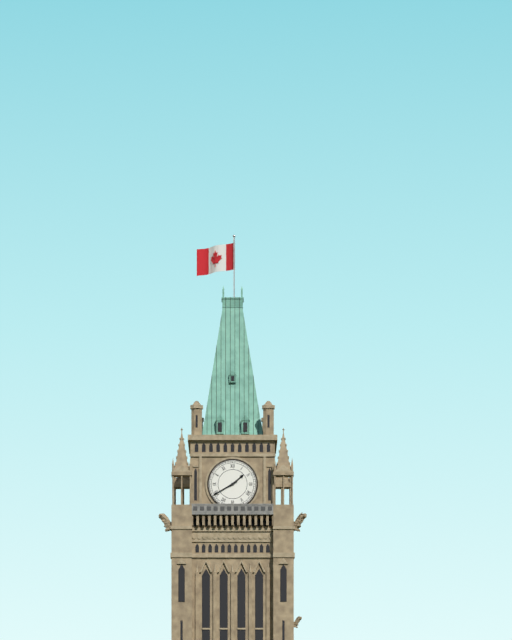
1 h 40 min
